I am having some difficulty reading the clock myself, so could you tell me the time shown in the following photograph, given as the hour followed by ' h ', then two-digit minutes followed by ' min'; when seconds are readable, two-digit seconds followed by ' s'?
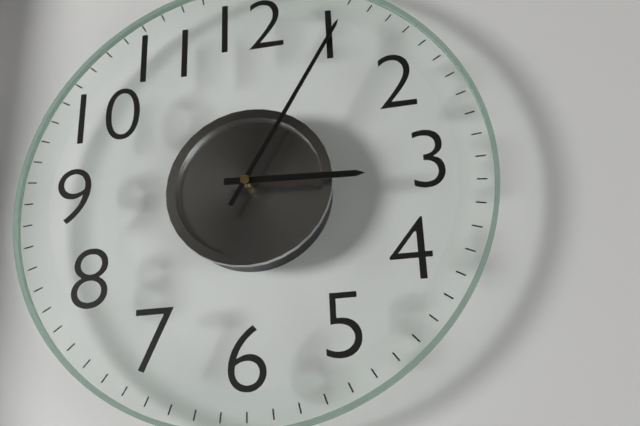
3 h 05 min
